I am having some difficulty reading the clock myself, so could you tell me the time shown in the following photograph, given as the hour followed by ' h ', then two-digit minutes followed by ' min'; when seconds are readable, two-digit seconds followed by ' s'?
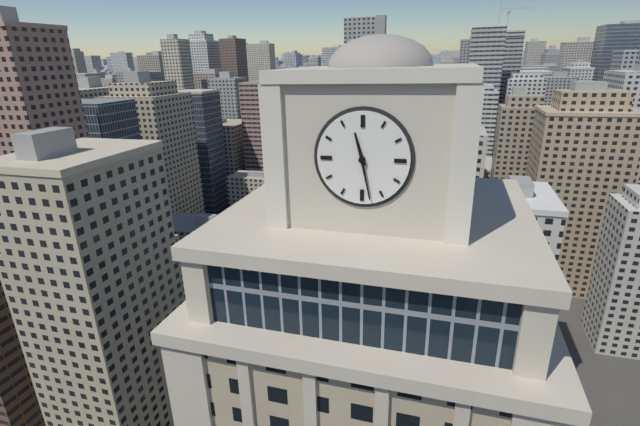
11 h 28 min
